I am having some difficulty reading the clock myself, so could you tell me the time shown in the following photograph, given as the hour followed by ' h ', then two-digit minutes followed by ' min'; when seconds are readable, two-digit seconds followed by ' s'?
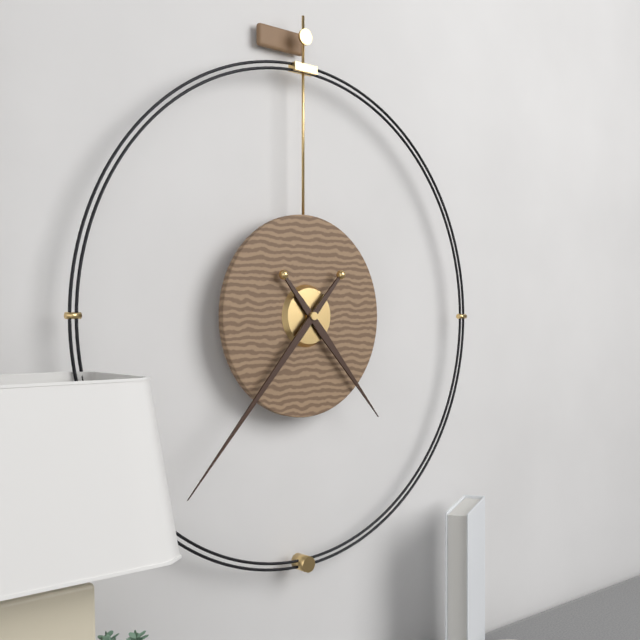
4 h 37 min
